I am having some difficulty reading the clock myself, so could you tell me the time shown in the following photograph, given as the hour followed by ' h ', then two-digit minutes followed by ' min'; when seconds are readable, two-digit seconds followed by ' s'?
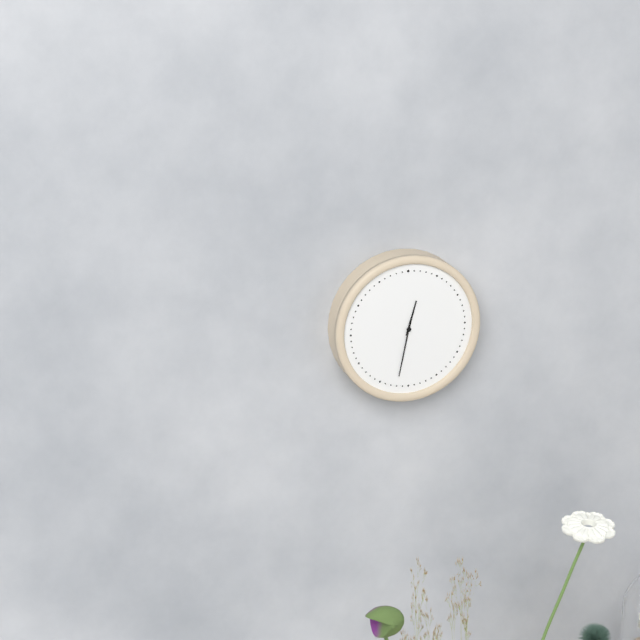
12 h 32 min
